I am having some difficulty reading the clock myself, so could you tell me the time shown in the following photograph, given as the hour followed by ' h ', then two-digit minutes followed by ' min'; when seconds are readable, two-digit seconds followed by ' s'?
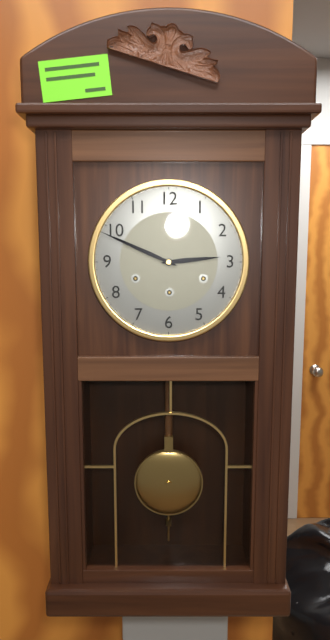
2 h 49 min
